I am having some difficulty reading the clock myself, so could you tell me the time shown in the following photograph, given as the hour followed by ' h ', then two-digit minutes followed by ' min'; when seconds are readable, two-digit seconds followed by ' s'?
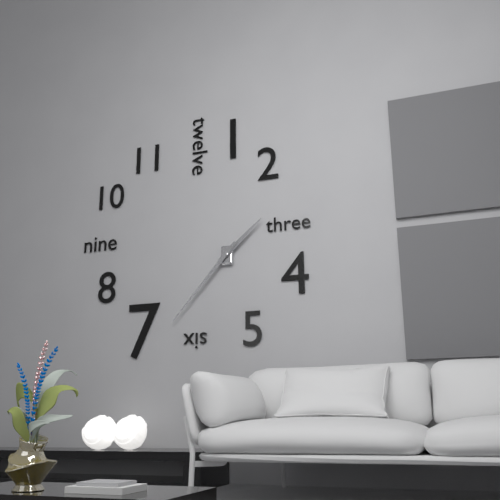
1 h 37 min
